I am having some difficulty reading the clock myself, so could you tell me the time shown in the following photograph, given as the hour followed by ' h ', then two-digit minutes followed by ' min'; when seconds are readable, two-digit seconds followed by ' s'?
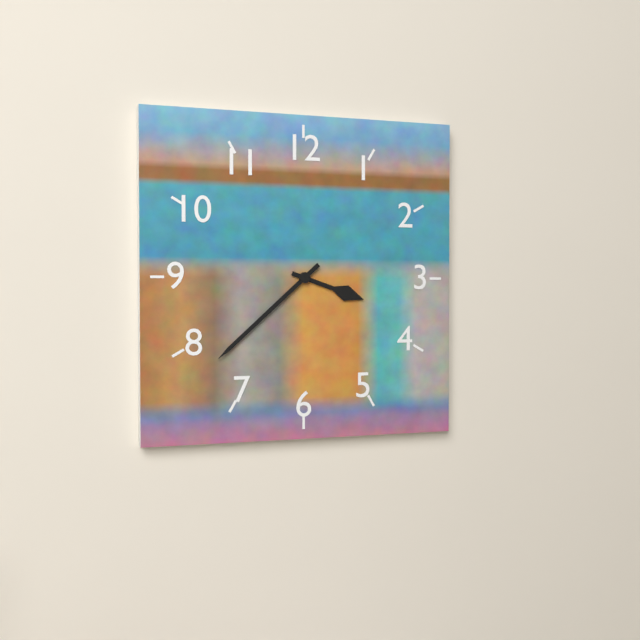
3 h 38 min
